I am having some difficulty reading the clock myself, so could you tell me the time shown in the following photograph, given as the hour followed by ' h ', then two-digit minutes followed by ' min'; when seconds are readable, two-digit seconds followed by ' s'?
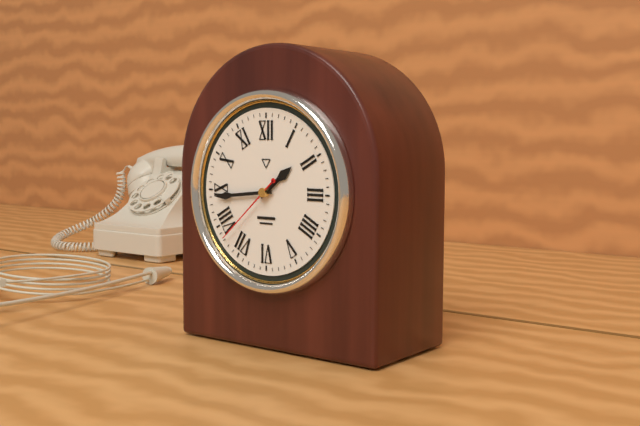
1 h 44 min 38 s
